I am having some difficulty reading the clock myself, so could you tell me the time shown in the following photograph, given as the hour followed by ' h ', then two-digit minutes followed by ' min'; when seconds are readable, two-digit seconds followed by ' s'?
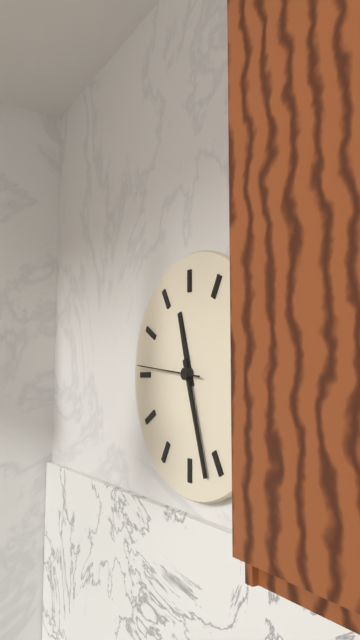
11 h 27 min 46 s
